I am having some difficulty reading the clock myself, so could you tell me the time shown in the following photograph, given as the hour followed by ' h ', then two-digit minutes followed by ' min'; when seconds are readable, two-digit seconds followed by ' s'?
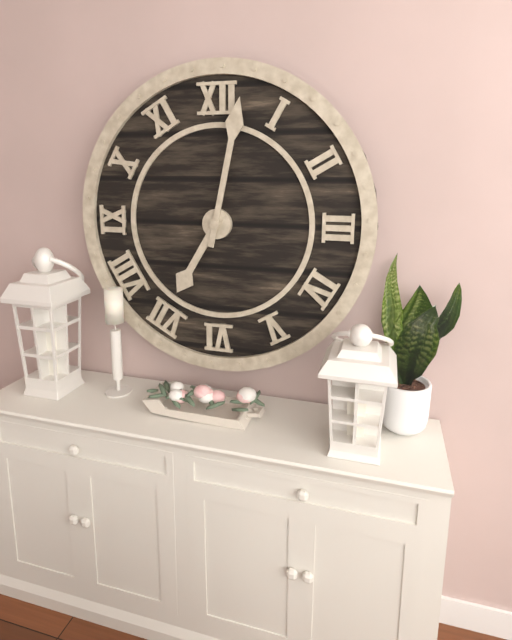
7 h 02 min
